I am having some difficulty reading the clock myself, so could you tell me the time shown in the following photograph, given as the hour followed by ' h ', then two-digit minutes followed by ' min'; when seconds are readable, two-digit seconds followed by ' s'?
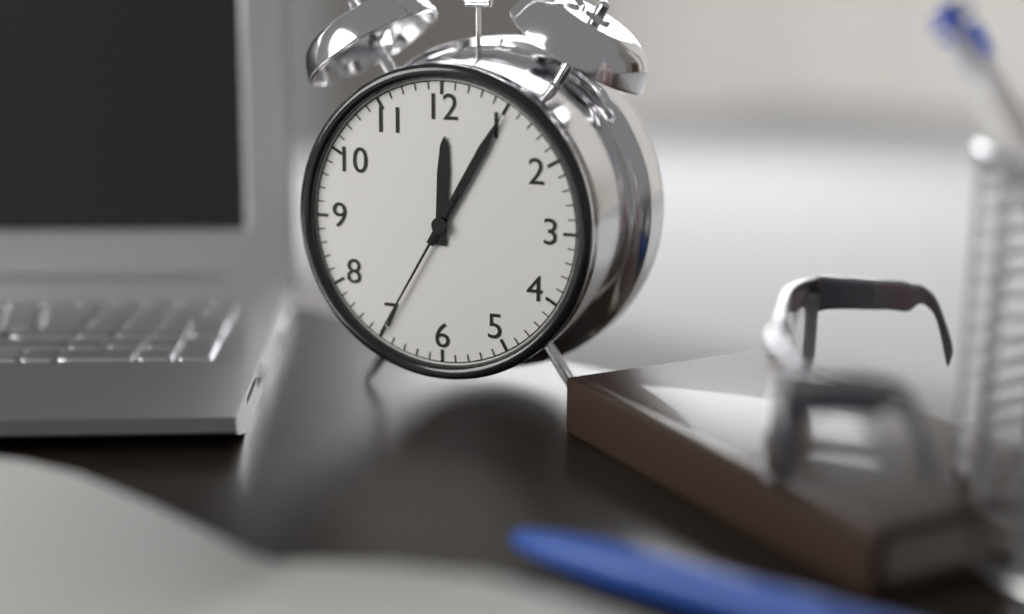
12 h 05 min 35 s
